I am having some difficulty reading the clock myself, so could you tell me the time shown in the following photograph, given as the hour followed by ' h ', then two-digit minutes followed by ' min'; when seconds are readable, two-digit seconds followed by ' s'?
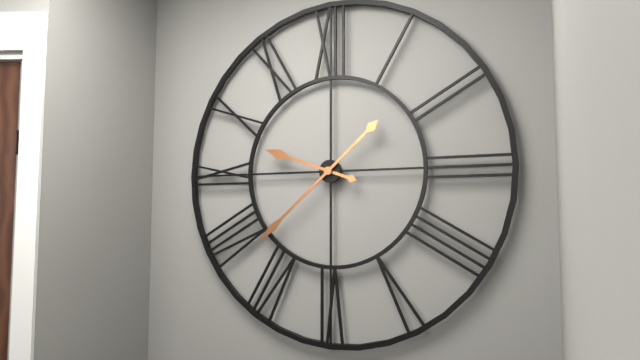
9 h 38 min
